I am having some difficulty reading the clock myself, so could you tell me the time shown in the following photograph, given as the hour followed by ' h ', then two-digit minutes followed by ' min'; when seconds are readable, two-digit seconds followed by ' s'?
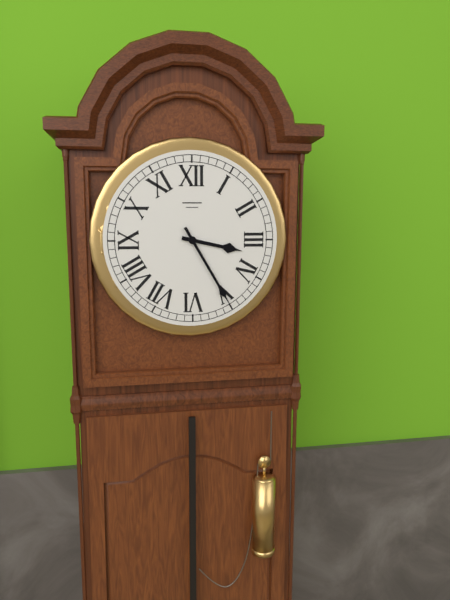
3 h 25 min
